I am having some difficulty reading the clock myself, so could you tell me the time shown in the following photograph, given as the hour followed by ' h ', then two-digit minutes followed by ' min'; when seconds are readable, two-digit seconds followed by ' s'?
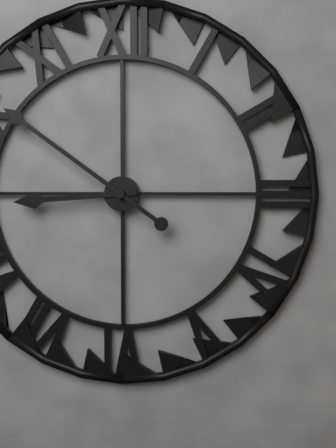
8 h 51 min
